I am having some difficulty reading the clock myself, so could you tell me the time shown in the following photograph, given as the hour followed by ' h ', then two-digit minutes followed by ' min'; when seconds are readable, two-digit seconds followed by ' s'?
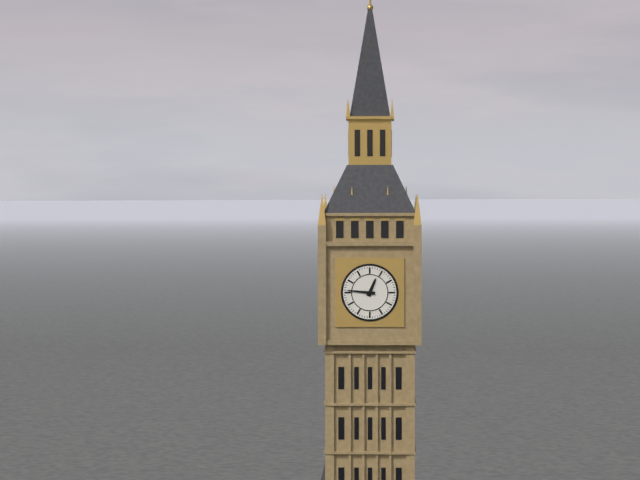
12 h 46 min
